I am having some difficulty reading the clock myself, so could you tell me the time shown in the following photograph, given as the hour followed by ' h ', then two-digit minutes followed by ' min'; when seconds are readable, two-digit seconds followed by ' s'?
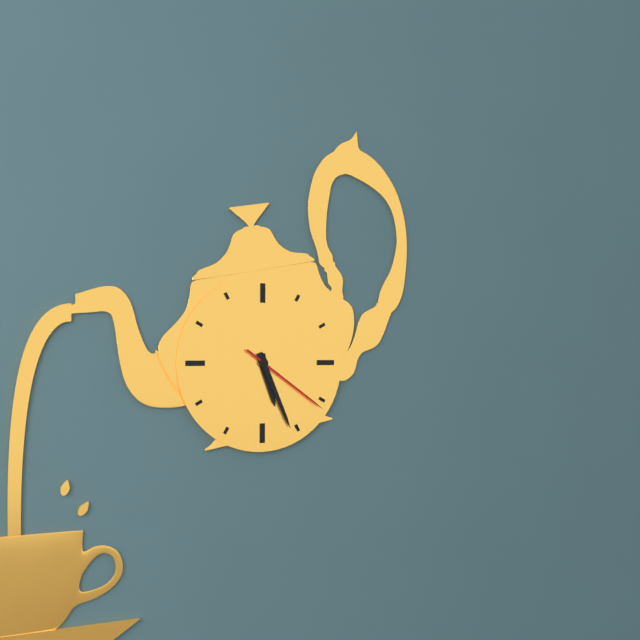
5 h 26 min 21 s
